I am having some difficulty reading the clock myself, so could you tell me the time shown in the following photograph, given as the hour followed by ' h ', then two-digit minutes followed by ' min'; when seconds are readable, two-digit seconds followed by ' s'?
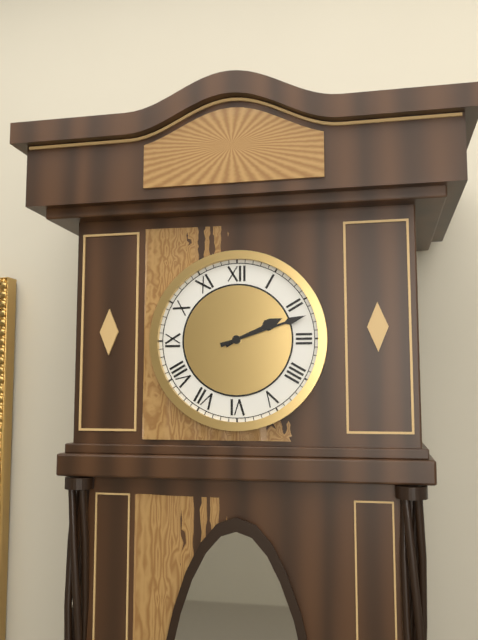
2 h 12 min
